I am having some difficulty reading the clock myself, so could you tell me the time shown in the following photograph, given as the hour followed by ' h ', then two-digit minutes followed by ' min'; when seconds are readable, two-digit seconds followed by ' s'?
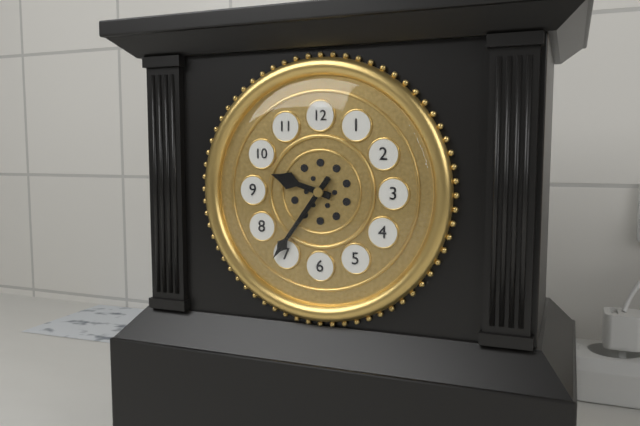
9 h 36 min
